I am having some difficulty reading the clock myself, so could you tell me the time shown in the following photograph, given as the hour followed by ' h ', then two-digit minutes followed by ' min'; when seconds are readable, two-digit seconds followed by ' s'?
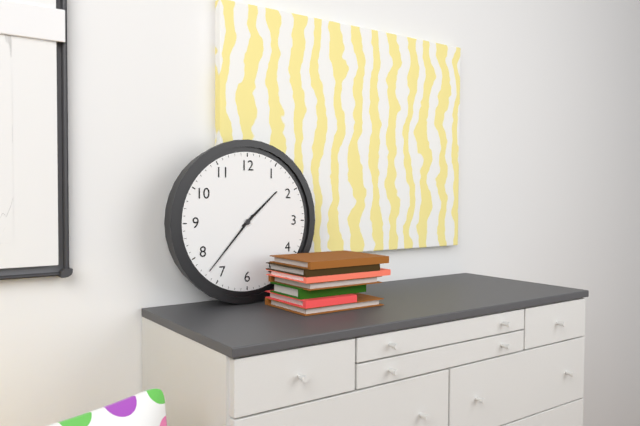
1 h 37 min
